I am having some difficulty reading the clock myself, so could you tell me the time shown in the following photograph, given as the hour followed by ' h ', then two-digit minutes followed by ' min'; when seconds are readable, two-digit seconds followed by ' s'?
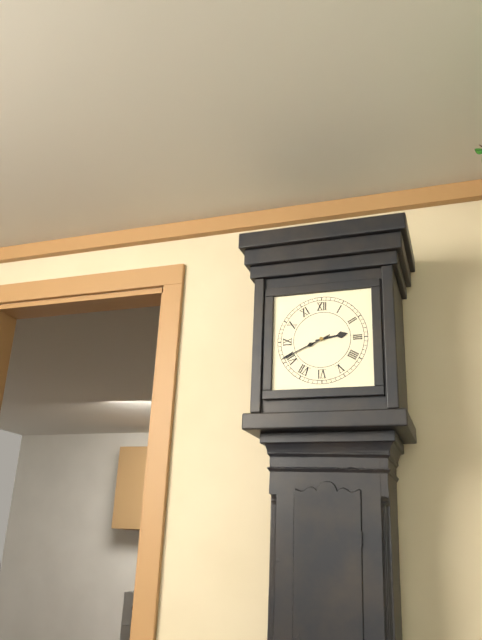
2 h 41 min
